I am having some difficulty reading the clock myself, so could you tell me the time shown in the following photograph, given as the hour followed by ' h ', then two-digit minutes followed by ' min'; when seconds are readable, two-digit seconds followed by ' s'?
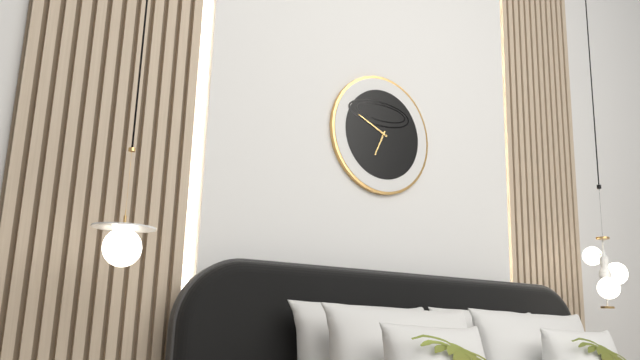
6 h 49 min
